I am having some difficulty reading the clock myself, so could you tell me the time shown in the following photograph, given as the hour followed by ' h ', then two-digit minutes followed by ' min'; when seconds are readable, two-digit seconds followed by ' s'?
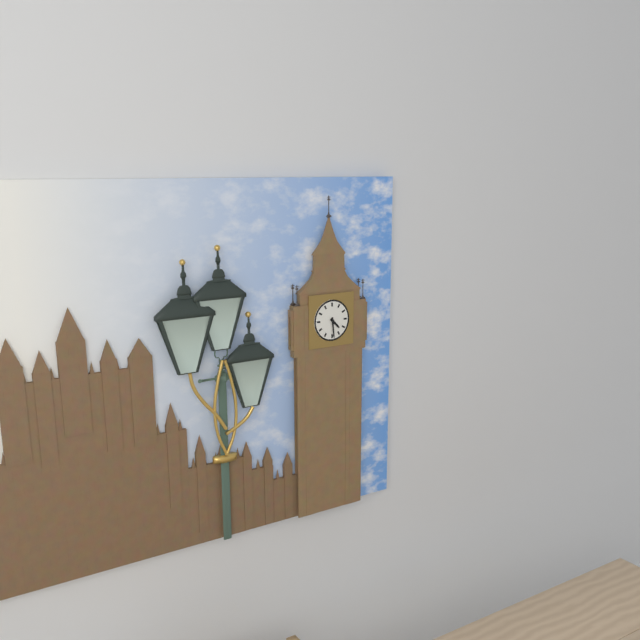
4 h 29 min
